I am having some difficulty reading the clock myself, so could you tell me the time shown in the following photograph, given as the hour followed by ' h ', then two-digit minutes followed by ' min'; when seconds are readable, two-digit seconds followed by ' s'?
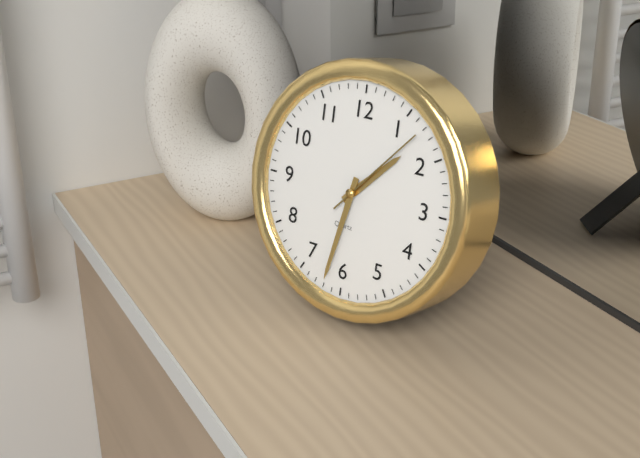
1 h 32 min 07 s
